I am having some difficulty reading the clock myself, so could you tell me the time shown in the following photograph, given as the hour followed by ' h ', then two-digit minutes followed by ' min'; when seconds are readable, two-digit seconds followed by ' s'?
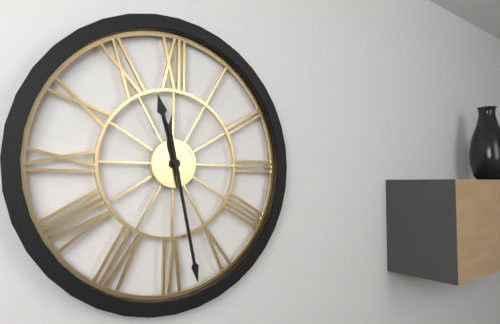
11 h 28 min
